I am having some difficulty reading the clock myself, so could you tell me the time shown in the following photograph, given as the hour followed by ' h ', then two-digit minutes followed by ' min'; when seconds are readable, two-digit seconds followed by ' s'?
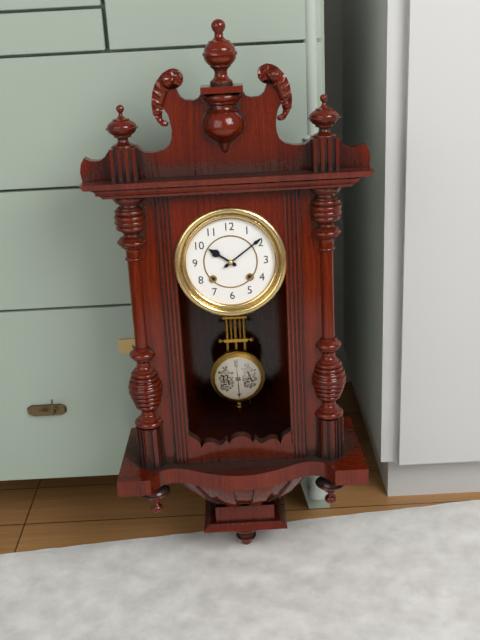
10 h 09 min
